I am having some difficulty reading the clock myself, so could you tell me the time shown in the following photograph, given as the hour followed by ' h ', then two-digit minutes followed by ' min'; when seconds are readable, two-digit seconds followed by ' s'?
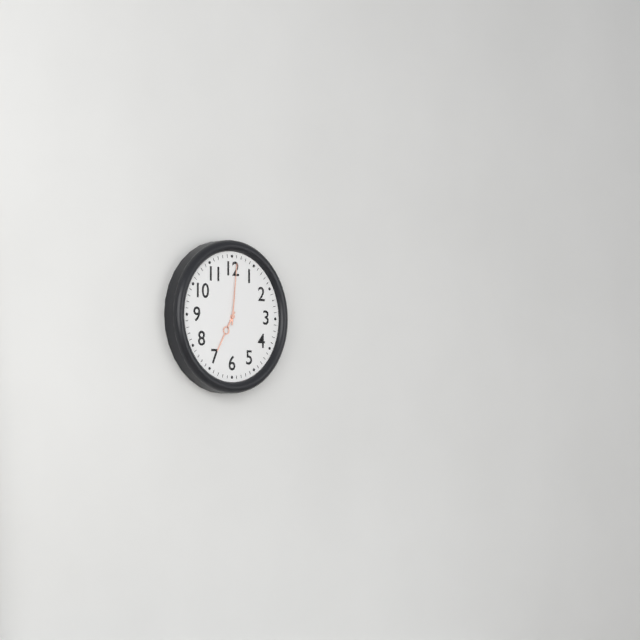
7 h 01 min
